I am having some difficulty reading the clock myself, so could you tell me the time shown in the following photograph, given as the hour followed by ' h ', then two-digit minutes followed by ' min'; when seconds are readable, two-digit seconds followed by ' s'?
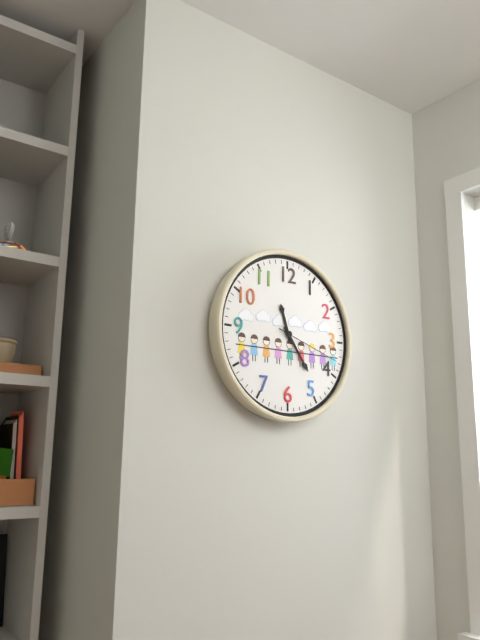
11 h 24 min 18 s
